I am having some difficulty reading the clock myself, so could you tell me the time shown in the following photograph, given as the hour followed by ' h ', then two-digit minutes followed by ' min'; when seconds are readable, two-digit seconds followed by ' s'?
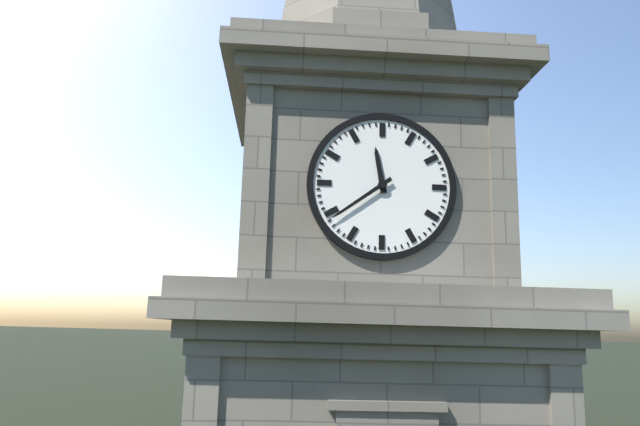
11 h 39 min
